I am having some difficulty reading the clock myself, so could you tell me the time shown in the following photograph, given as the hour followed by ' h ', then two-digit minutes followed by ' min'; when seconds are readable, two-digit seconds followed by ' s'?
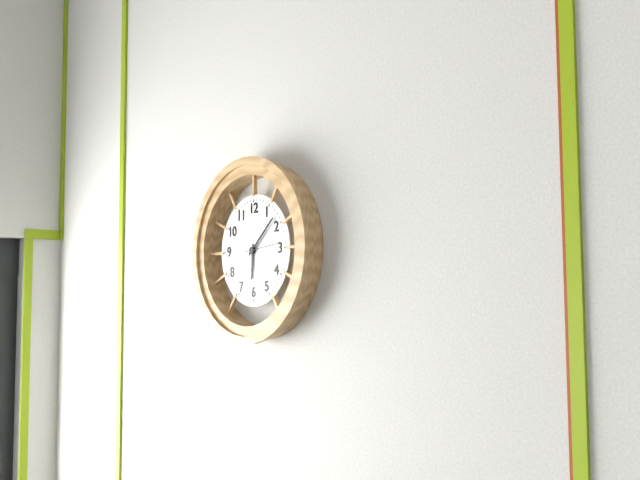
6 h 08 min
